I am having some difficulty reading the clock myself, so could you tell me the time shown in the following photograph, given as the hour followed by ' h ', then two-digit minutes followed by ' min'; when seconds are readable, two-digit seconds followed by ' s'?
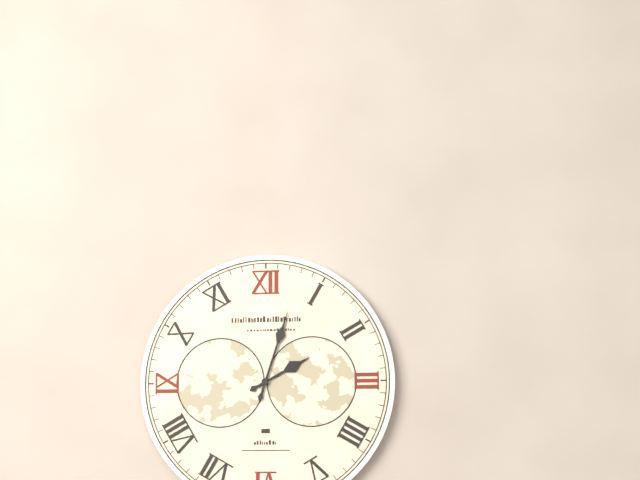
2 h 03 min
